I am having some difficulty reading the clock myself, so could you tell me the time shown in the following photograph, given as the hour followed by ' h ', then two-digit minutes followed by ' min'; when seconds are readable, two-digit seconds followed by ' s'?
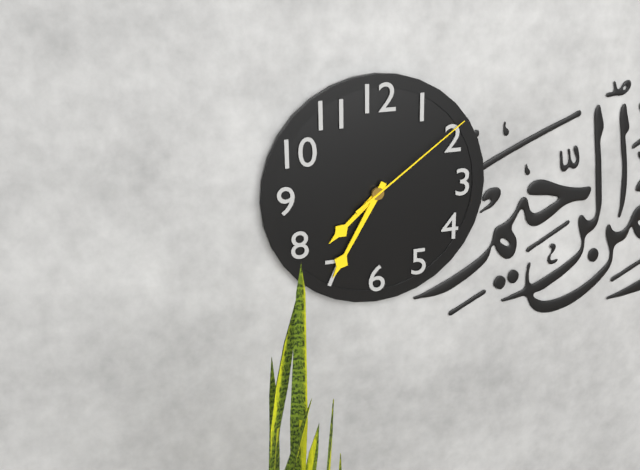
7 h 35 min 09 s
